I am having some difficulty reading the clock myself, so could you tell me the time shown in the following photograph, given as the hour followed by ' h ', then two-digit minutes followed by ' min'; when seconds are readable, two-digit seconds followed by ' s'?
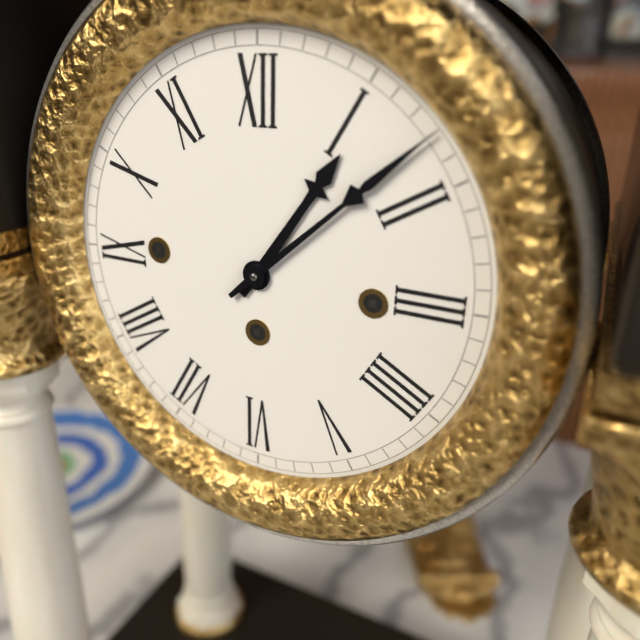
1 h 08 min
